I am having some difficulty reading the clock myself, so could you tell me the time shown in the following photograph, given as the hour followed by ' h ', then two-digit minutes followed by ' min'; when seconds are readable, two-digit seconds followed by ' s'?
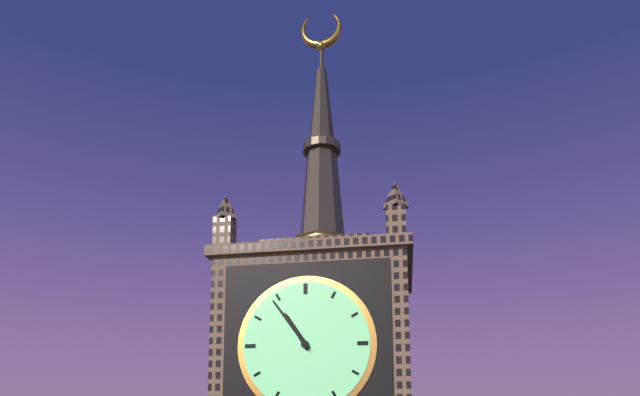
10 h 54 min
